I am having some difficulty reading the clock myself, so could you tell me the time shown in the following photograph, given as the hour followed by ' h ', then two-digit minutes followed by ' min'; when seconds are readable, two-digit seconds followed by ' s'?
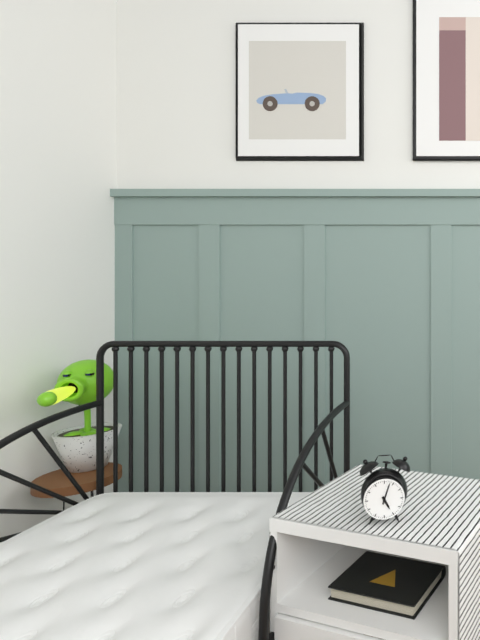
5 h 03 min
